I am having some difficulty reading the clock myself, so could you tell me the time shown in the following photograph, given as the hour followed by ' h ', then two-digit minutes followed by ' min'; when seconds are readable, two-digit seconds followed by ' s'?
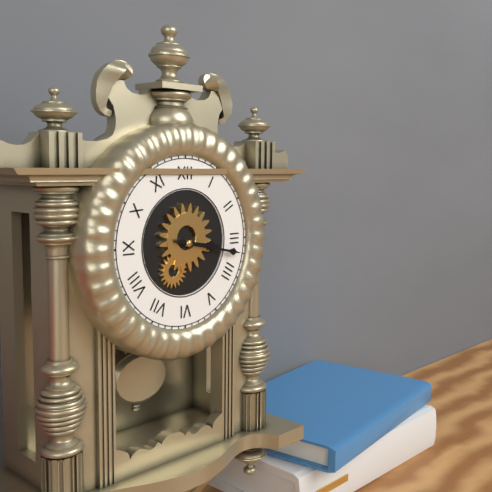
3 h 17 min
